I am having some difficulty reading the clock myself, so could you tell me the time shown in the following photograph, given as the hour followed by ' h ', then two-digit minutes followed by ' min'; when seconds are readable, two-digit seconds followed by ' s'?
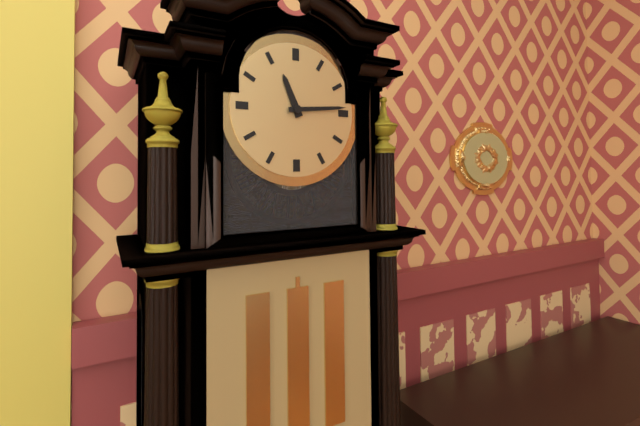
11 h 14 min
